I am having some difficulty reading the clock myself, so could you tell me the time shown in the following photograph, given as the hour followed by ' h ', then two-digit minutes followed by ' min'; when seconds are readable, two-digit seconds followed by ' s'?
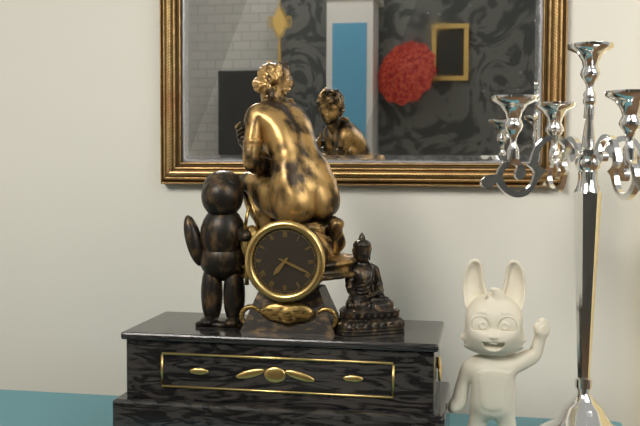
7 h 19 min
